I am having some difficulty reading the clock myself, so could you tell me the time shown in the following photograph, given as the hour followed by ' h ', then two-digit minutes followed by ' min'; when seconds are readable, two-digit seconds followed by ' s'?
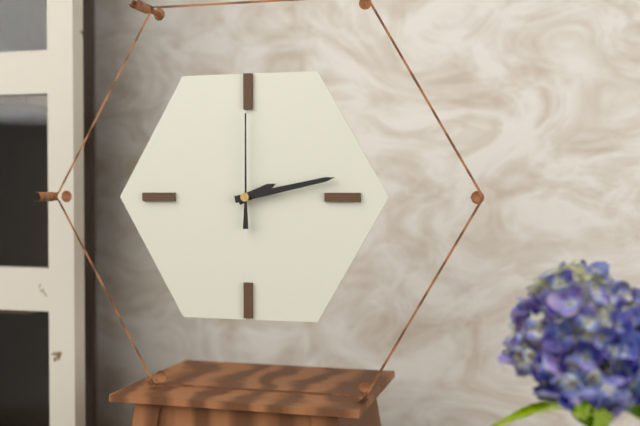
2 h 13 min 00 s
